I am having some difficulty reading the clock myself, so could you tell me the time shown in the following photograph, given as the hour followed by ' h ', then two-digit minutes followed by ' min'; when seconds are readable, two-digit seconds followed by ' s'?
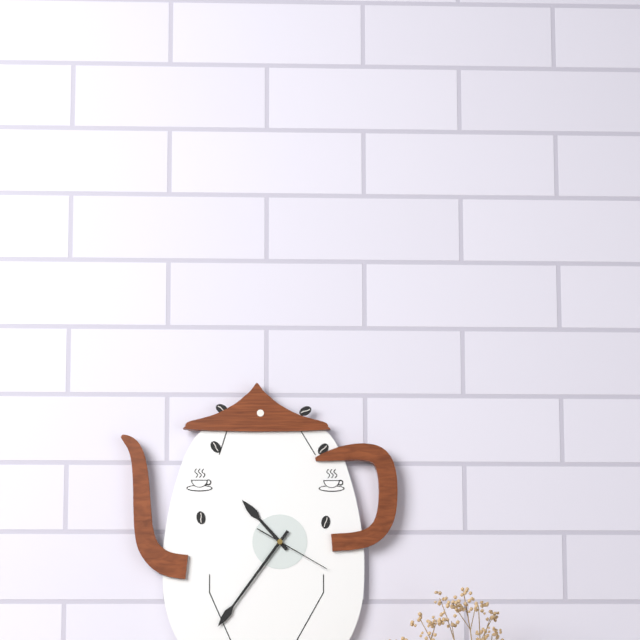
10 h 36 min 20 s
